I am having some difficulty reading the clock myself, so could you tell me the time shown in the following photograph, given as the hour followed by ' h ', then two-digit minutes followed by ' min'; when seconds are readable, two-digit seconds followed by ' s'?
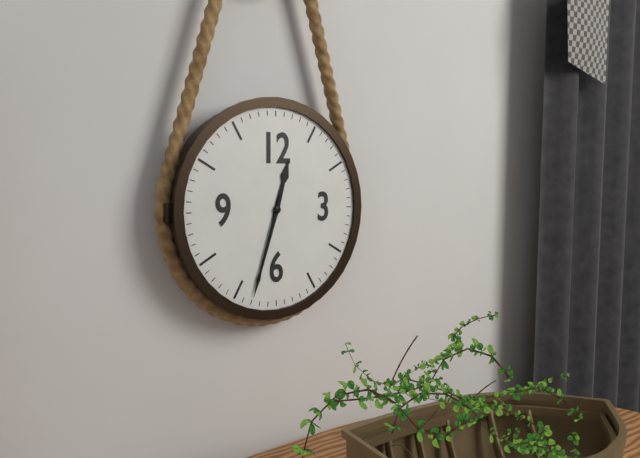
12 h 33 min
